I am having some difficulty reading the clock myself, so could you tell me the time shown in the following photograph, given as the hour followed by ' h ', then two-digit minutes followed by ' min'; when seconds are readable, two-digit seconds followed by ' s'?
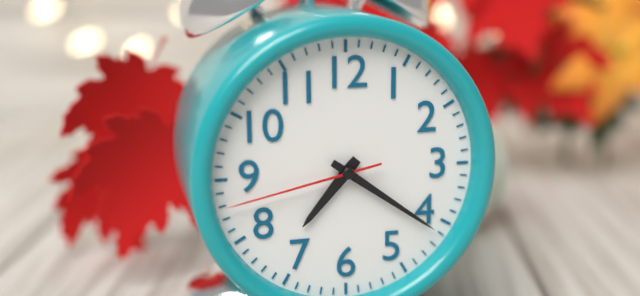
7 h 21 min 43 s
